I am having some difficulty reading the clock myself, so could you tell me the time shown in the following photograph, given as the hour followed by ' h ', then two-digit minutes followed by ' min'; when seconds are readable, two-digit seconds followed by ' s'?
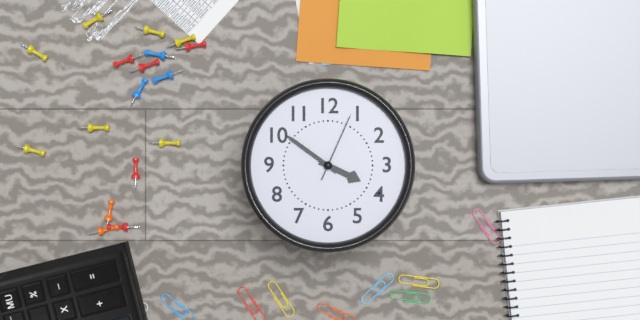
3 h 51 min 04 s
